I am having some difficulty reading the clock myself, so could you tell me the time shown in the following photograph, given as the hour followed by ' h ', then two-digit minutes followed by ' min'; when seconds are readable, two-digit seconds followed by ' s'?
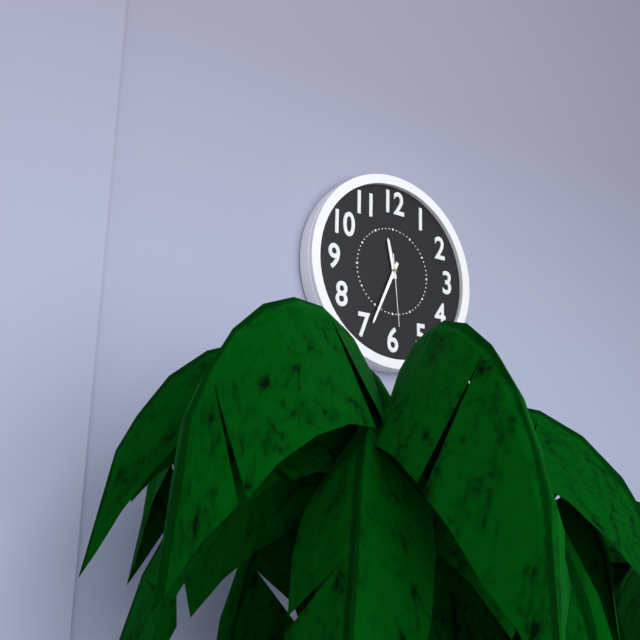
11 h 34 min 29 s
